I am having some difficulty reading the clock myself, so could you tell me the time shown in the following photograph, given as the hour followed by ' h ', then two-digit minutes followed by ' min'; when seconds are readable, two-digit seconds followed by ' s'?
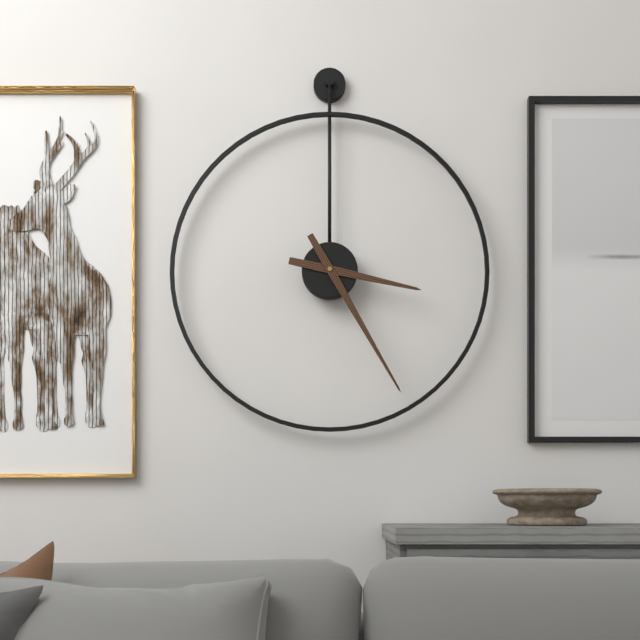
3 h 25 min
